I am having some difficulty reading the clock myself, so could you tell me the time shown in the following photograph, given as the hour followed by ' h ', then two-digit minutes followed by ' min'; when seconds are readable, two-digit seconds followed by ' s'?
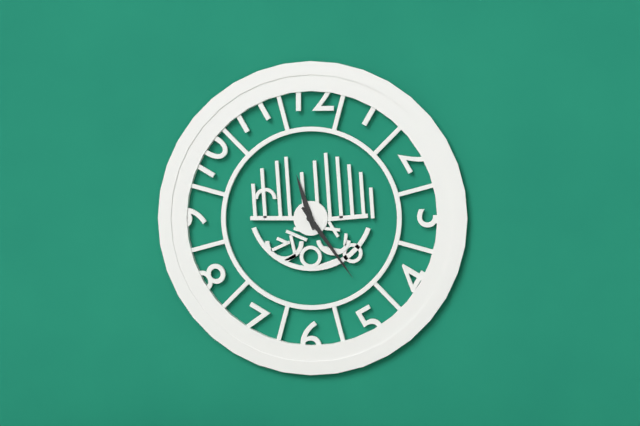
11 h 24 min
